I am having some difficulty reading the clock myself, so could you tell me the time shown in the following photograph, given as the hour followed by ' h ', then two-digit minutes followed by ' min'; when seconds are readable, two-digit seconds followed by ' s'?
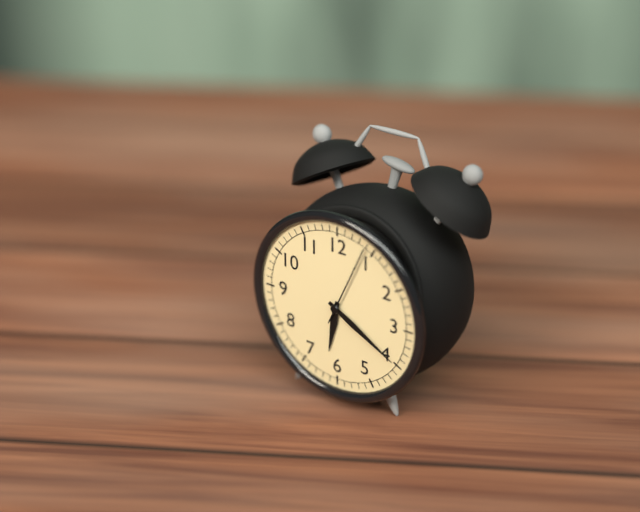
6 h 20 min 04 s
